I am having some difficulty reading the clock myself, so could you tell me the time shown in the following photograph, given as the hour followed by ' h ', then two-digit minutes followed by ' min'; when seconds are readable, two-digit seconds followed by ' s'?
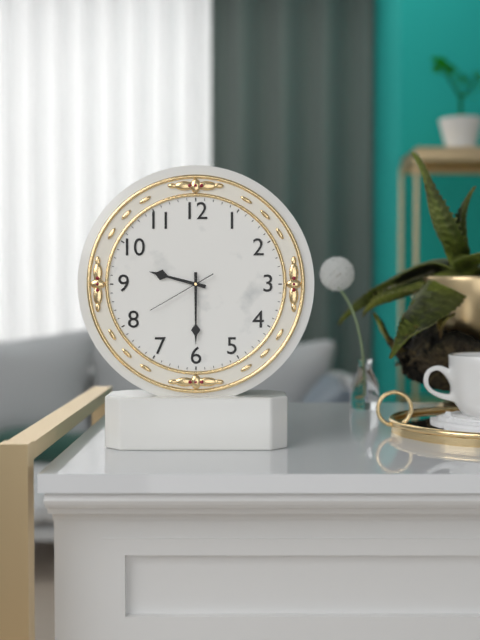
9 h 30 min 40 s
